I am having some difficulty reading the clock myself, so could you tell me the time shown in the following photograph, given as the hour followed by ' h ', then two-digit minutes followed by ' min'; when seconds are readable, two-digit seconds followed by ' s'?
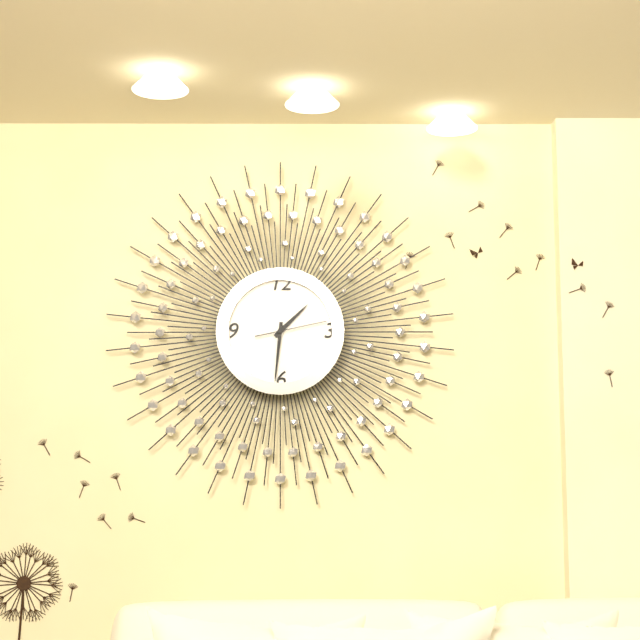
1 h 31 min 13 s
